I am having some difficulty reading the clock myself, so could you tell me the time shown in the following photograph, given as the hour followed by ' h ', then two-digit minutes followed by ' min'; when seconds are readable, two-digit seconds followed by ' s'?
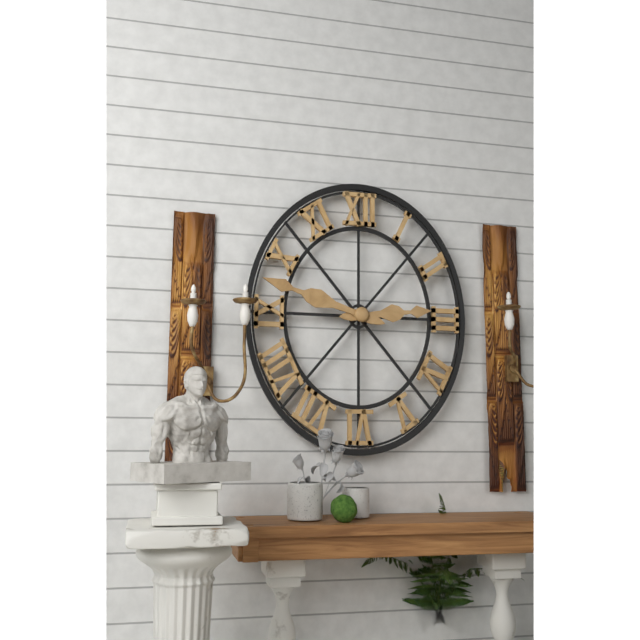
2 h 48 min
